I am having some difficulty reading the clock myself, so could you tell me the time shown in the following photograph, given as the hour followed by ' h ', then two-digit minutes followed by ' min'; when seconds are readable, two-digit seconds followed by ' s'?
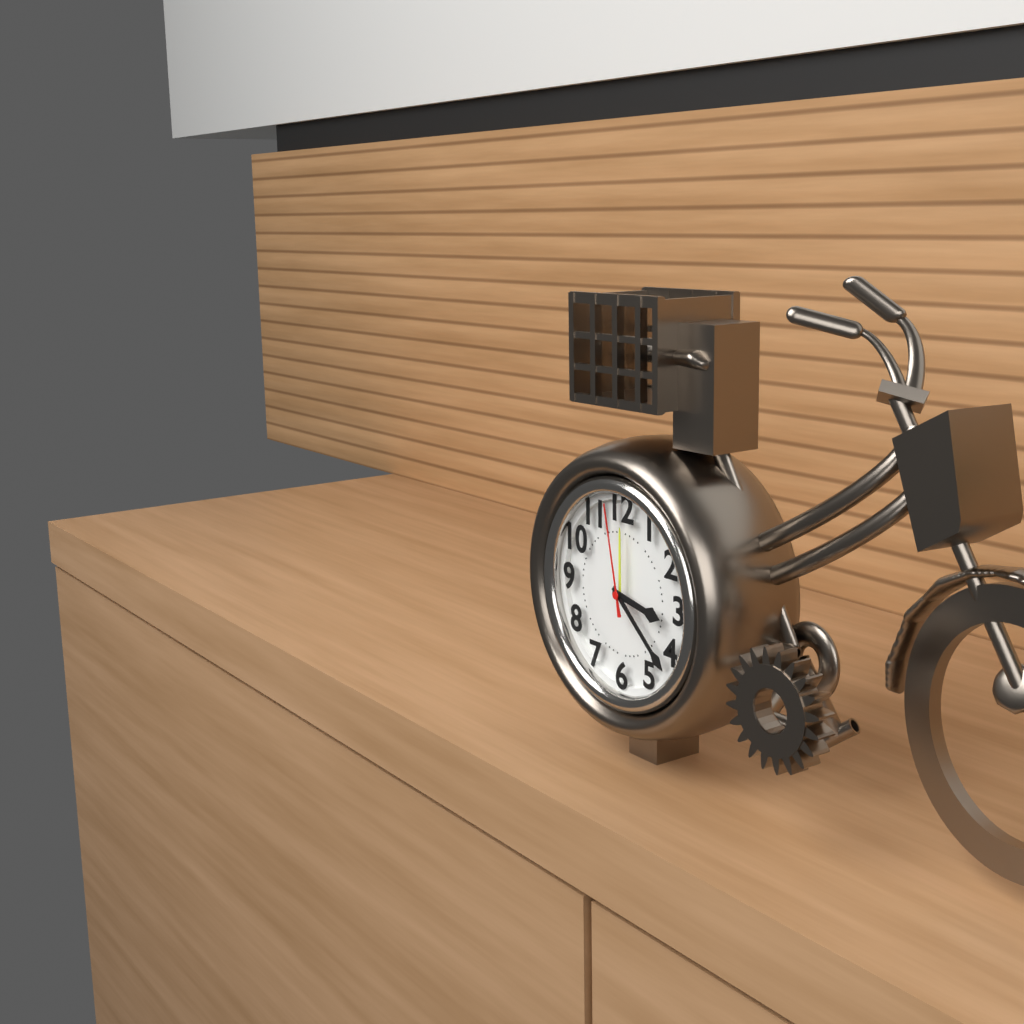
3 h 22 min 58 s
